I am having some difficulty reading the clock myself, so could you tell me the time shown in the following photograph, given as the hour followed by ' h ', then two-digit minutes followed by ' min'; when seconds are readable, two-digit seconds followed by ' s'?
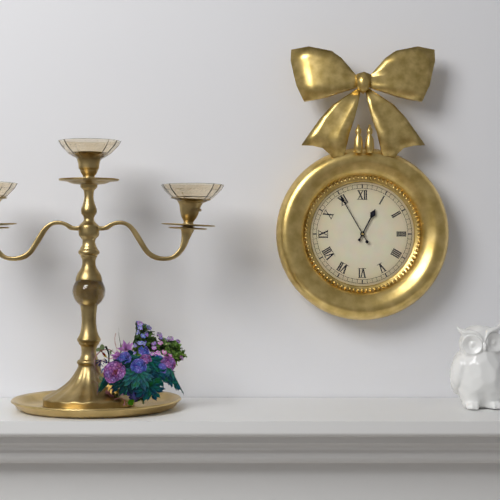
12 h 55 min
